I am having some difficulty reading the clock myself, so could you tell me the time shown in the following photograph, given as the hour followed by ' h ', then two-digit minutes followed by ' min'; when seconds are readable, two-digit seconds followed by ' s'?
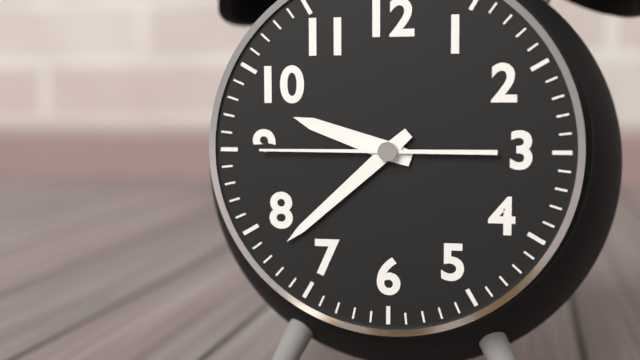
9 h 38 min 45 s
